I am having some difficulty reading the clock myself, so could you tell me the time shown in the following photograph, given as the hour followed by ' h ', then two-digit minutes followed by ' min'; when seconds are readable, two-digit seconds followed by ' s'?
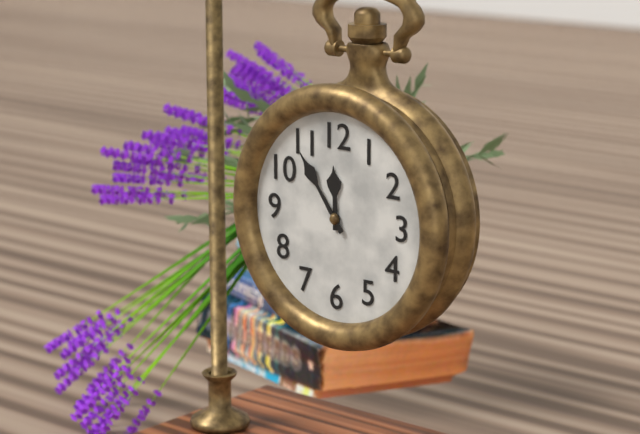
11 h 54 min
